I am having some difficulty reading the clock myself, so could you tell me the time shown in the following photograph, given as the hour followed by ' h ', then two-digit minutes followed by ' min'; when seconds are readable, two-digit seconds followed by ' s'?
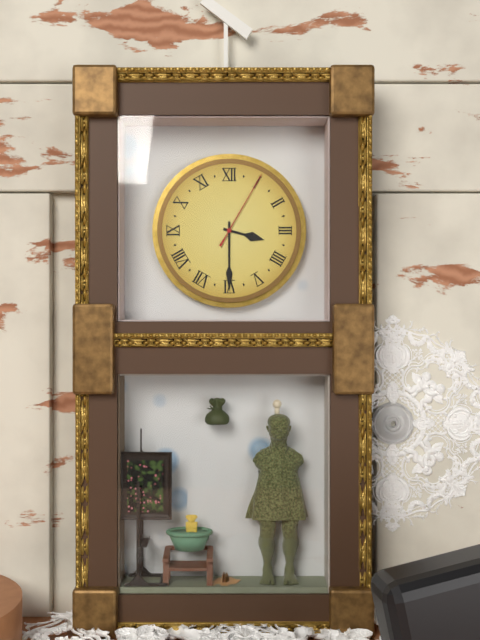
3 h 30 min 05 s
